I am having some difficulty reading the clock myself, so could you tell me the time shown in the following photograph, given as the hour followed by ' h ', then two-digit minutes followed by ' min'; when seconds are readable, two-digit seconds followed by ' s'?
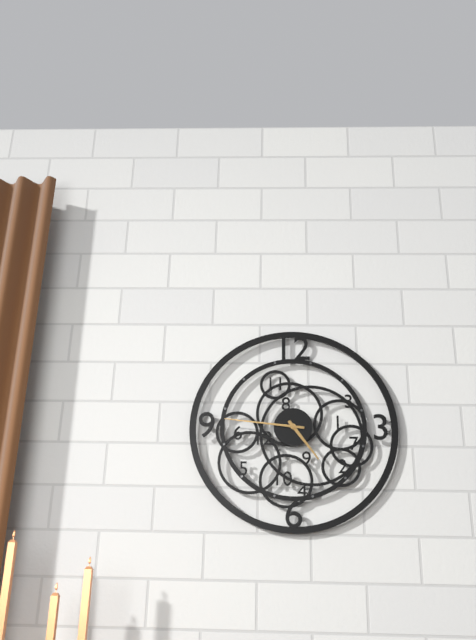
4 h 46 min
